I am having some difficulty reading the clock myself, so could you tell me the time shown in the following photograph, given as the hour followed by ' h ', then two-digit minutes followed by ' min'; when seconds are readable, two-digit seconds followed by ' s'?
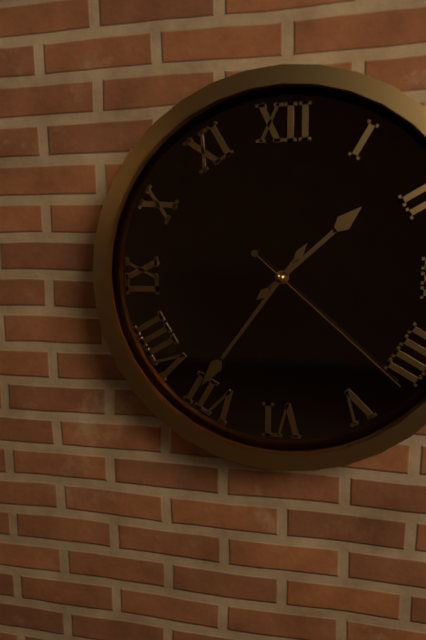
1 h 36 min 22 s
